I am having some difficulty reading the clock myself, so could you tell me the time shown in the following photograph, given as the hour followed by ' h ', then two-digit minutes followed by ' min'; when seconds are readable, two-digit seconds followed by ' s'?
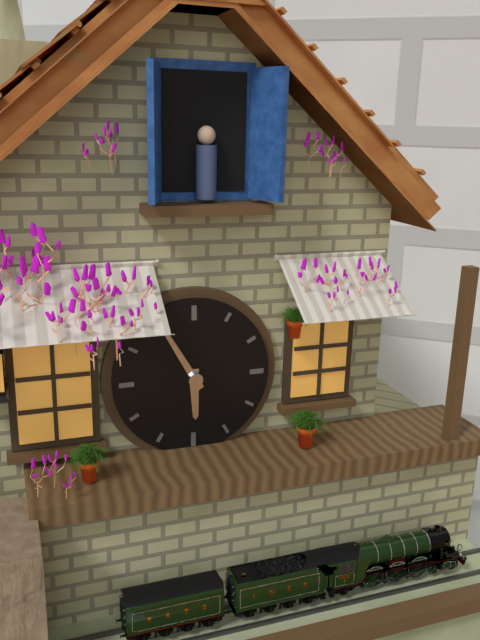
5 h 55 min
